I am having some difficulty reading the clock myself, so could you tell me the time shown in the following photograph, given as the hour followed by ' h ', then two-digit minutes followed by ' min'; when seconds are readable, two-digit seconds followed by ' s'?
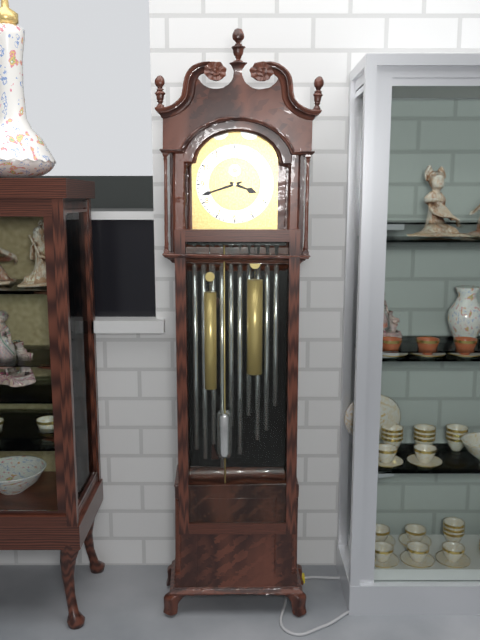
3 h 42 min
